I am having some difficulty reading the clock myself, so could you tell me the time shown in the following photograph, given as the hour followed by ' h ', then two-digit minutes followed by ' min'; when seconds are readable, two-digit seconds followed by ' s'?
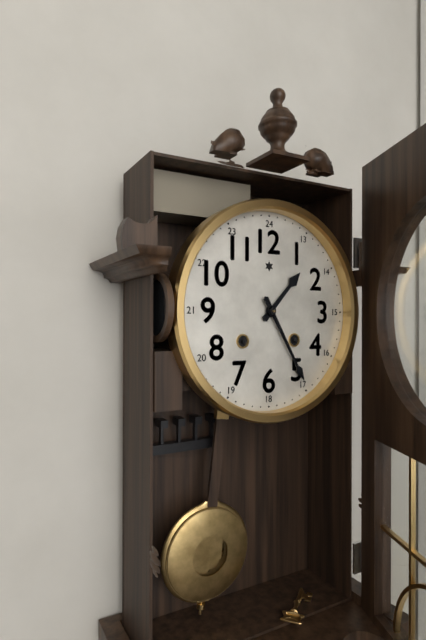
1 h 25 min
